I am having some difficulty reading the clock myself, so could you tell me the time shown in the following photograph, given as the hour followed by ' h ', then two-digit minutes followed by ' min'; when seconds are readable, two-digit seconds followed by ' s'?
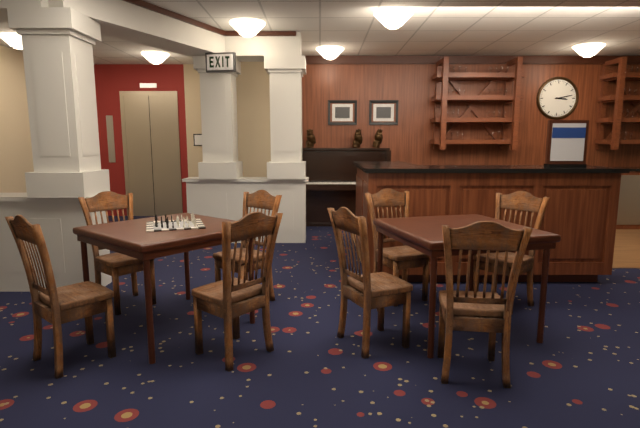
3 h 13 min
